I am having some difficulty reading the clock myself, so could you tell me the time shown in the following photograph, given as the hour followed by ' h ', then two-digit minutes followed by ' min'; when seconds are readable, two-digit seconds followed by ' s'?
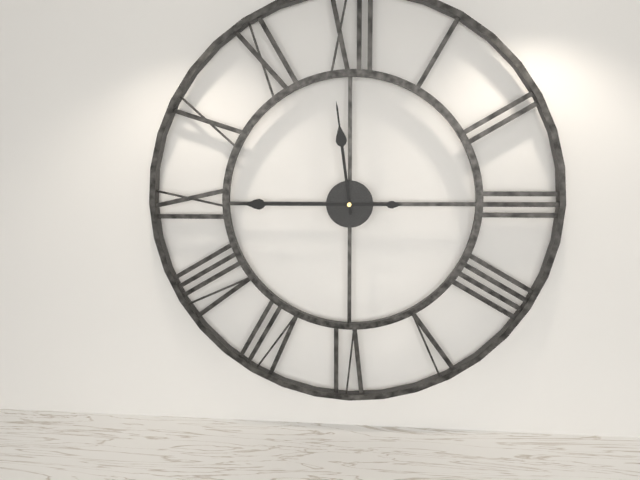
11 h 45 min
